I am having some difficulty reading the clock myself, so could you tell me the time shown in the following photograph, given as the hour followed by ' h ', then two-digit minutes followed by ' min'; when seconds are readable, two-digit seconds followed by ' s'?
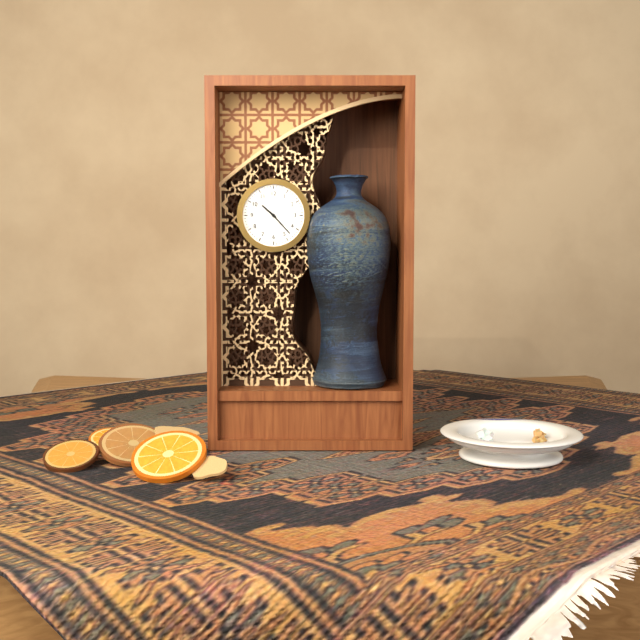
10 h 23 min
